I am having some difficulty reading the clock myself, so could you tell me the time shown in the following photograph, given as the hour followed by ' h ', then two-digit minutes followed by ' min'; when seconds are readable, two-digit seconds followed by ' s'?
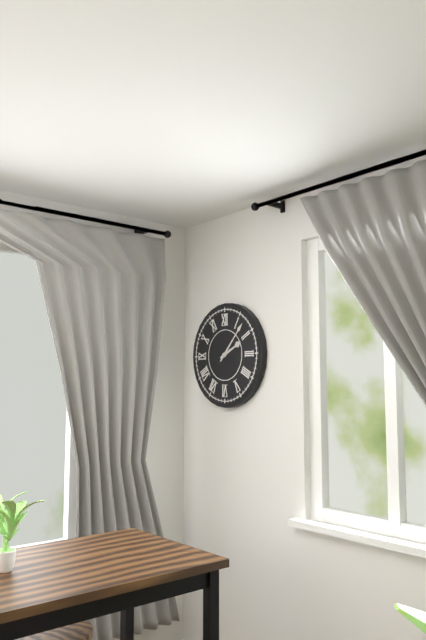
2 h 07 min
